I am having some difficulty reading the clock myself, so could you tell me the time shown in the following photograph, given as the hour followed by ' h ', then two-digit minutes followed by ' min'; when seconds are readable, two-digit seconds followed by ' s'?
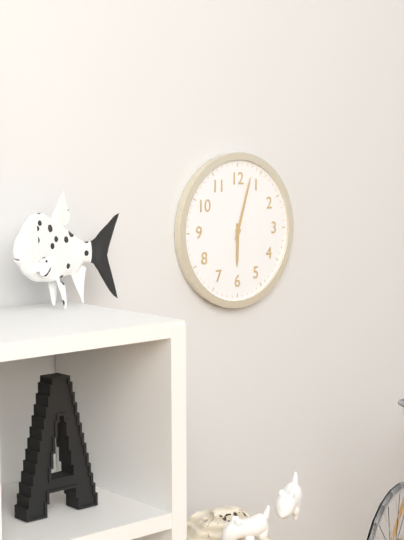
6 h 03 min
